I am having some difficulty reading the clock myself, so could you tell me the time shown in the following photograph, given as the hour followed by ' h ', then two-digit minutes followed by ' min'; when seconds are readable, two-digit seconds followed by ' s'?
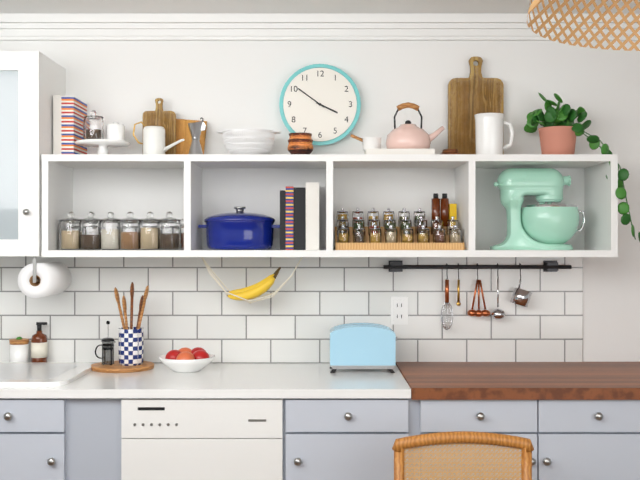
3 h 51 min
